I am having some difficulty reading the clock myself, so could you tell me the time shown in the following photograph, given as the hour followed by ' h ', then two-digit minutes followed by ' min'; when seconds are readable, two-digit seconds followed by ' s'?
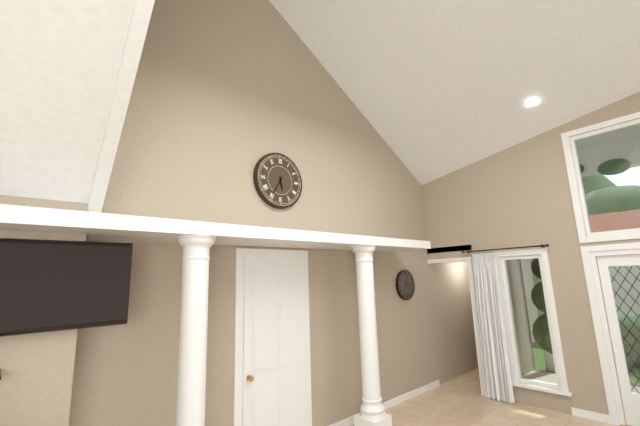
5 h 35 min
